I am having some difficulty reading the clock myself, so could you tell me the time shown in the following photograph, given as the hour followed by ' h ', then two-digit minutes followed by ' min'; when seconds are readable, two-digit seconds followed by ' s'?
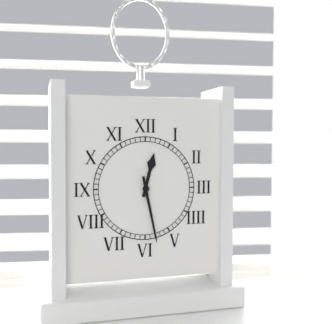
12 h 28 min
